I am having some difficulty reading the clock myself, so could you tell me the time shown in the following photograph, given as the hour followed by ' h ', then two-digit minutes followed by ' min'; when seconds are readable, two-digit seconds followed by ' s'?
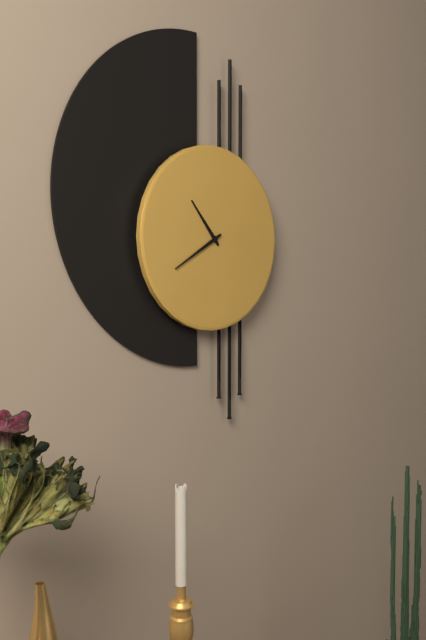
10 h 40 min
